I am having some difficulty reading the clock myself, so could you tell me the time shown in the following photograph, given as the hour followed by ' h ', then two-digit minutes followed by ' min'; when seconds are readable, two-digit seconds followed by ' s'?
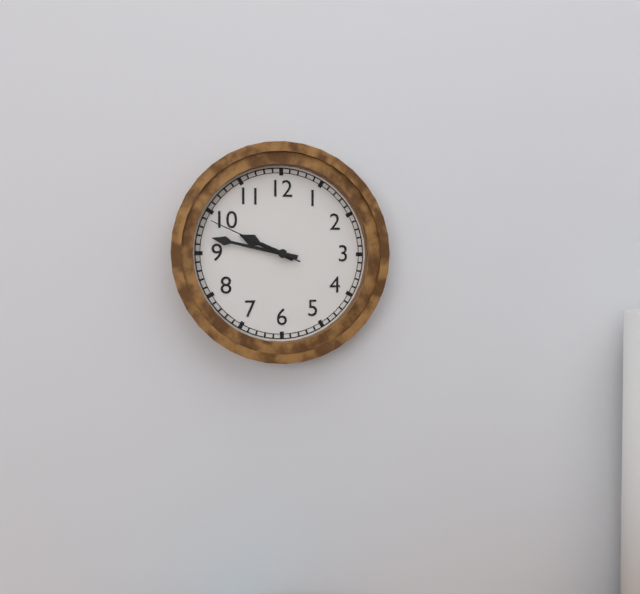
9 h 47 min 49 s
